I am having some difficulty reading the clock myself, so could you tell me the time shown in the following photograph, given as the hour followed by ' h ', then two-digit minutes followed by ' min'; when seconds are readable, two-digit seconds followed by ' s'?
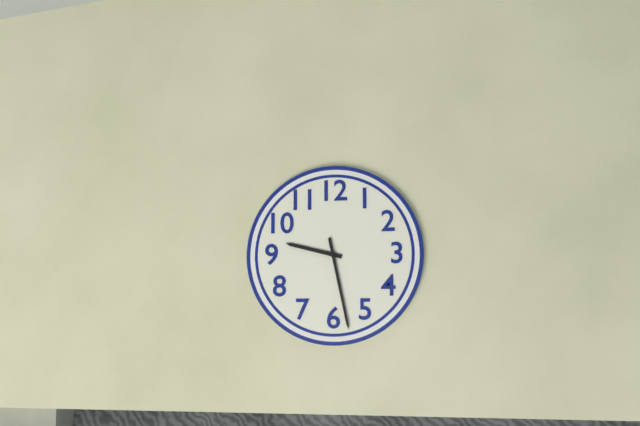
9 h 28 min
